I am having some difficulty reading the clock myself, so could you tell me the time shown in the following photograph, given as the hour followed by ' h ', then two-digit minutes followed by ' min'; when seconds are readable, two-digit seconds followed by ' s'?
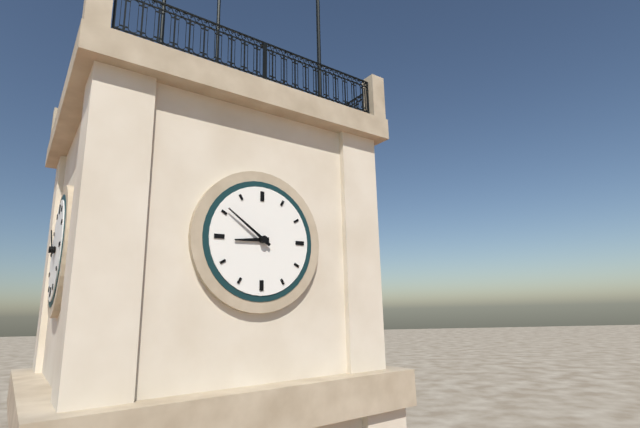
8 h 51 min
